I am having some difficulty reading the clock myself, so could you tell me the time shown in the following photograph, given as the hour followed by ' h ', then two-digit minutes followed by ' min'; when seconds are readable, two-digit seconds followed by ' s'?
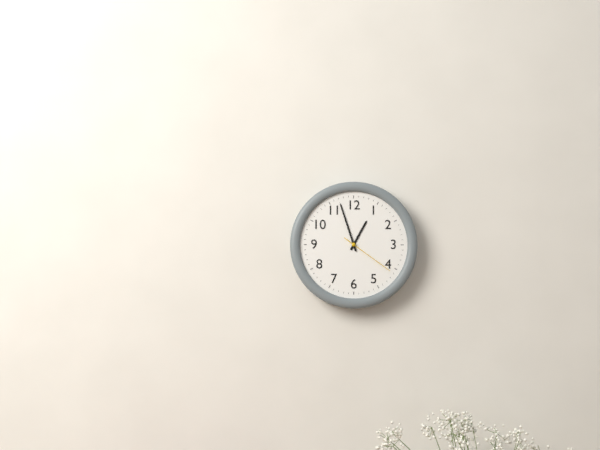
12 h 57 min 21 s
